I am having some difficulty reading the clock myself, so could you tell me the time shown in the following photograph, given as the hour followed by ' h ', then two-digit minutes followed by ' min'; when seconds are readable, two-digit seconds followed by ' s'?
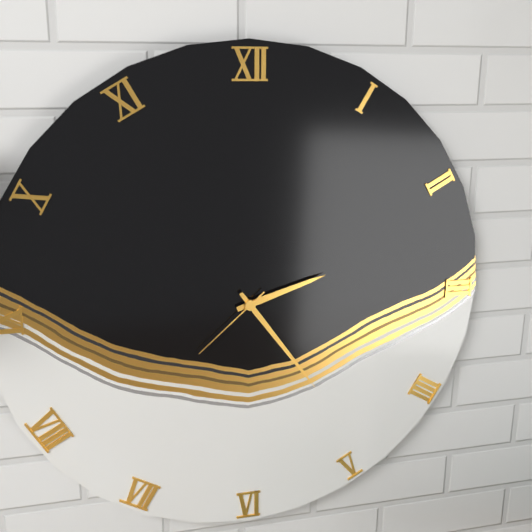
2 h 24 min 38 s
